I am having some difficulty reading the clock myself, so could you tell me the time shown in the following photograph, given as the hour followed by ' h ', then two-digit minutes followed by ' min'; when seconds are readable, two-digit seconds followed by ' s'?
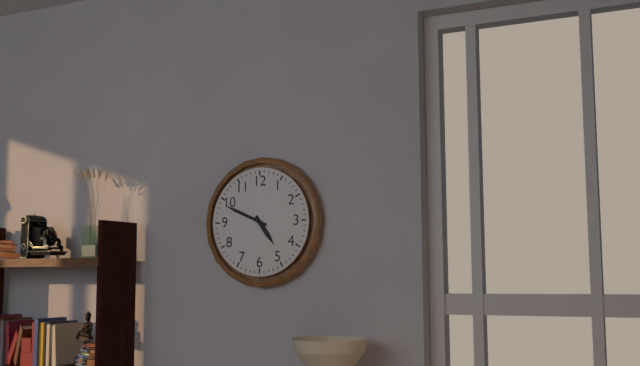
4 h 49 min
